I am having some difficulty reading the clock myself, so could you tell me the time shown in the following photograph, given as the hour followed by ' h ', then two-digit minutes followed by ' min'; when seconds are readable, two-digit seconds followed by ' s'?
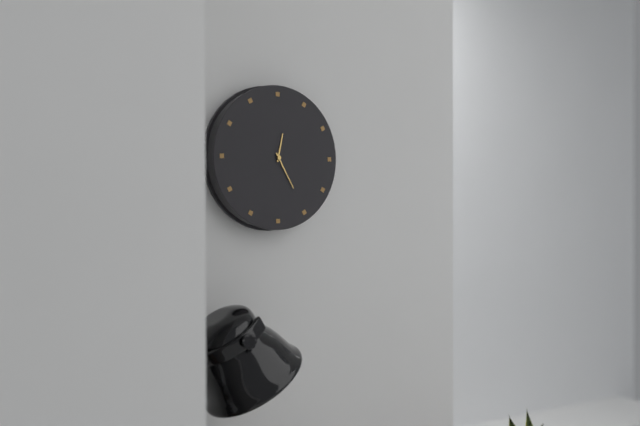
12 h 25 min
